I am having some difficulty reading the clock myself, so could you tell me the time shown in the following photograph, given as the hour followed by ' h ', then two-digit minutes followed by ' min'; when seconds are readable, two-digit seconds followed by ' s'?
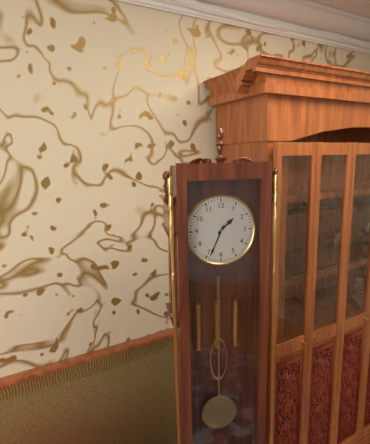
1 h 34 min
